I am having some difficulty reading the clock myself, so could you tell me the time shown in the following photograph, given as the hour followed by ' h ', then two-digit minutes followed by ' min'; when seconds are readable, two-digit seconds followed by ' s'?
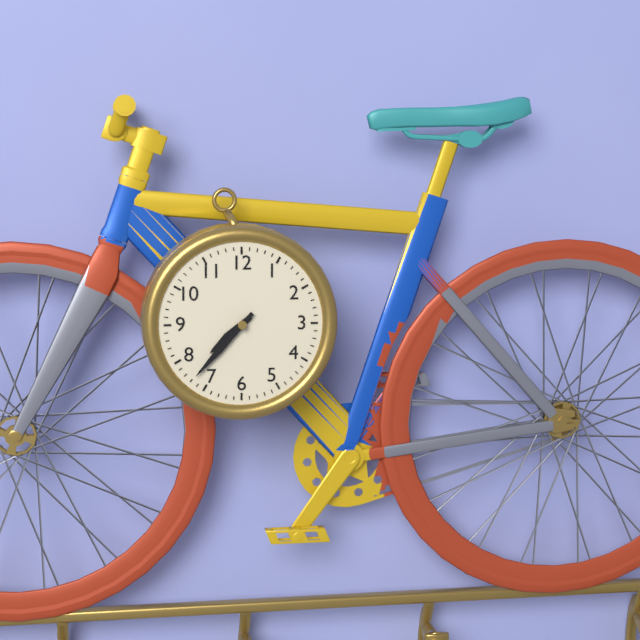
7 h 37 min
